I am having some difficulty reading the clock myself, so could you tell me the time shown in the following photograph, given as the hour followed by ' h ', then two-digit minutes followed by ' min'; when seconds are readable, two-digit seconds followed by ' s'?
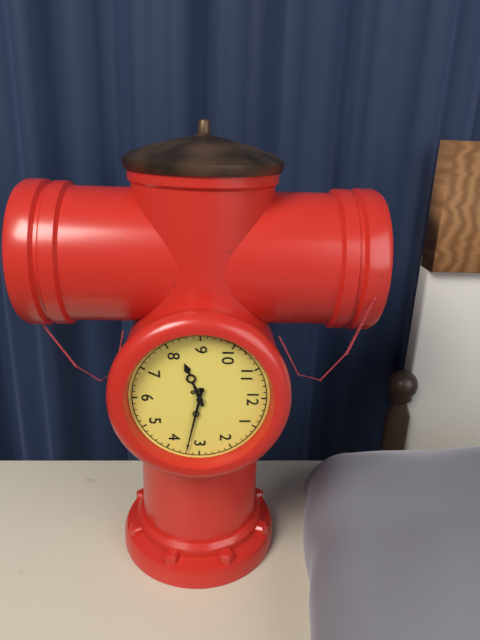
8 h 17 min
